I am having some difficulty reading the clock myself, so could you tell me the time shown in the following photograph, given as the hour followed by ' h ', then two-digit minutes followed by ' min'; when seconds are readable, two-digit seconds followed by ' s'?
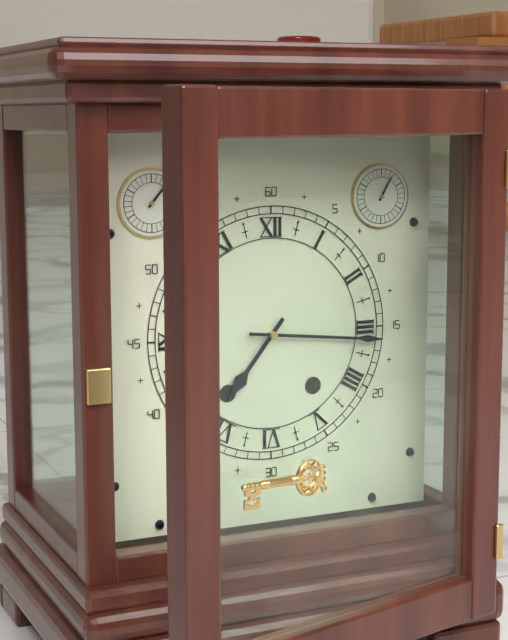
7 h 16 min
